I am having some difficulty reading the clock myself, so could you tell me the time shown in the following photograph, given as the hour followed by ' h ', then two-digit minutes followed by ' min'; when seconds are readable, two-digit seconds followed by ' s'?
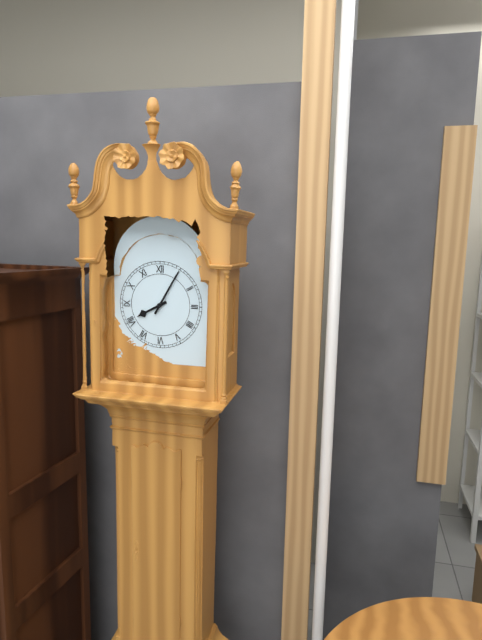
8 h 05 min
